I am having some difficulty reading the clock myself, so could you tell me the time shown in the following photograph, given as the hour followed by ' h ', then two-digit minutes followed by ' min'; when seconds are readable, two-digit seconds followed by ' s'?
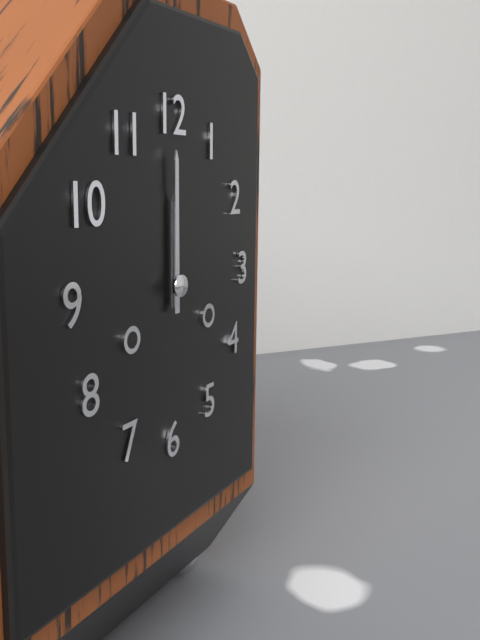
12 h 00 min
